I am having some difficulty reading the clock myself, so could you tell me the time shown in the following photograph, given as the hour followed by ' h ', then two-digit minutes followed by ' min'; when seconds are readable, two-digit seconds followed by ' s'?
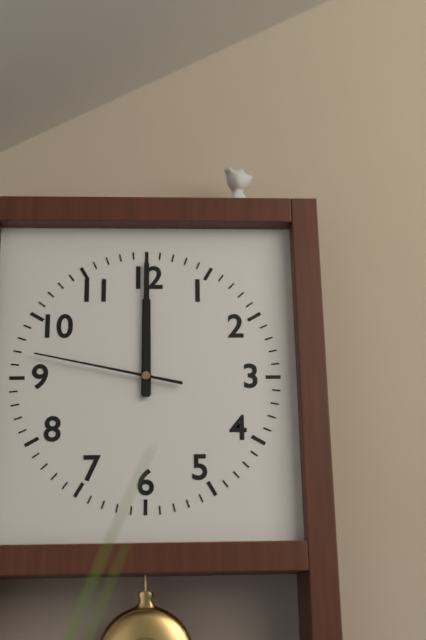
12 h 00 min 47 s
